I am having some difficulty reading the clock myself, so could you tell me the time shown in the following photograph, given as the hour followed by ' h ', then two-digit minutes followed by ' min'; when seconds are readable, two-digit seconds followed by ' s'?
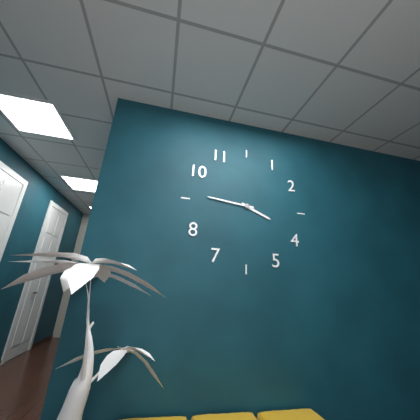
3 h 46 min
